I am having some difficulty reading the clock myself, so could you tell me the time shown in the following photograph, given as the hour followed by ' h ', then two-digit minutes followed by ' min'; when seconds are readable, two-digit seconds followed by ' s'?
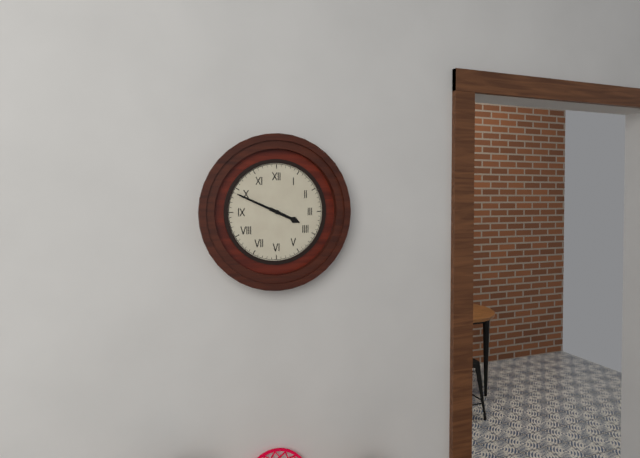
3 h 49 min
